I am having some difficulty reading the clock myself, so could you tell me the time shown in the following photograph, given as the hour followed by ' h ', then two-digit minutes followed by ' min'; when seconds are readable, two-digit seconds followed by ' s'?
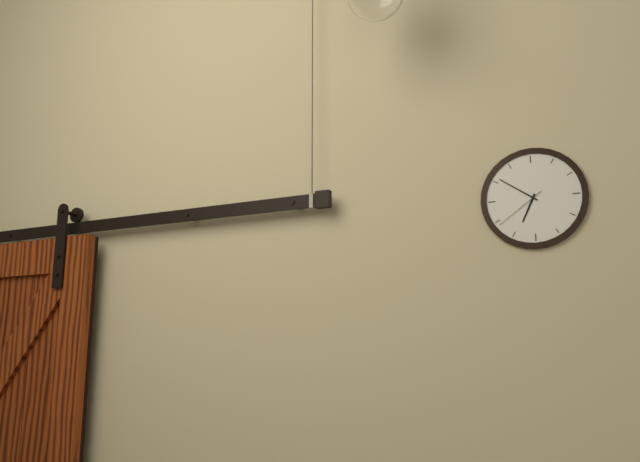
6 h 51 min 39 s
